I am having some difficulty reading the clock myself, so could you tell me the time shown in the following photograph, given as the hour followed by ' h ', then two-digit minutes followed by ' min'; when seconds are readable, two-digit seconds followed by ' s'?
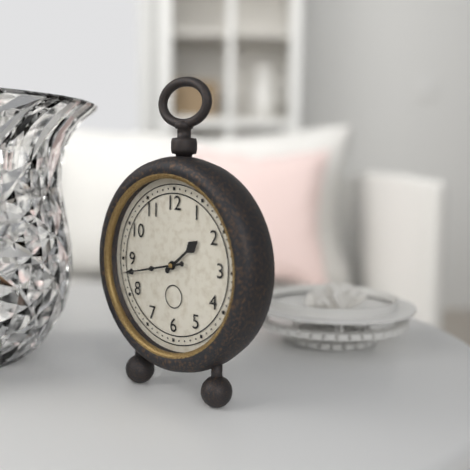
1 h 43 min
